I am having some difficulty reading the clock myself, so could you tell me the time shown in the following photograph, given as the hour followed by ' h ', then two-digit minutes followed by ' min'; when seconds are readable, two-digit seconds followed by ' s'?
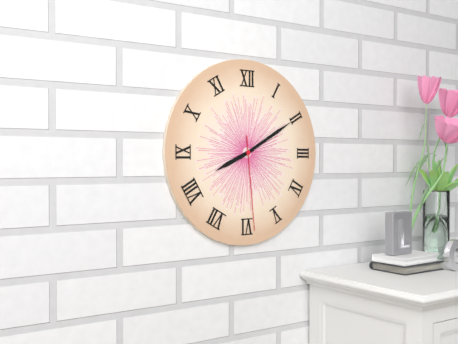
8 h 10 min 29 s
